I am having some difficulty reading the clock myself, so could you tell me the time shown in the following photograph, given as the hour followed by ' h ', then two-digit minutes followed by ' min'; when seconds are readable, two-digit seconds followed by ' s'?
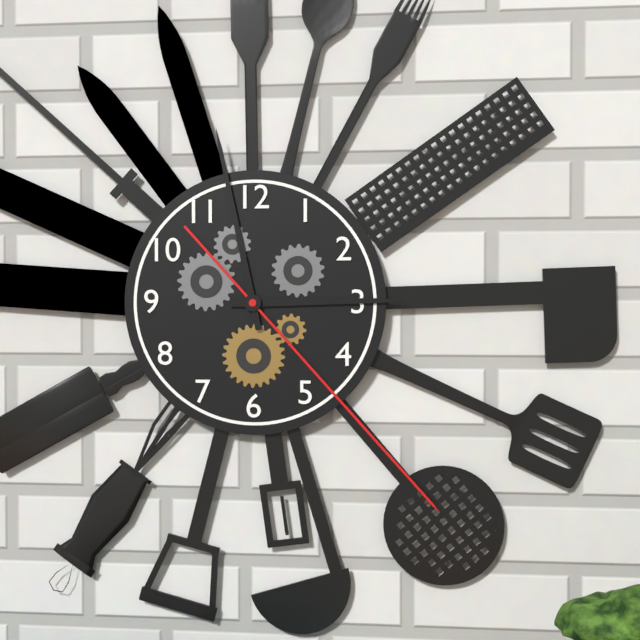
2 h 58 min 23 s
